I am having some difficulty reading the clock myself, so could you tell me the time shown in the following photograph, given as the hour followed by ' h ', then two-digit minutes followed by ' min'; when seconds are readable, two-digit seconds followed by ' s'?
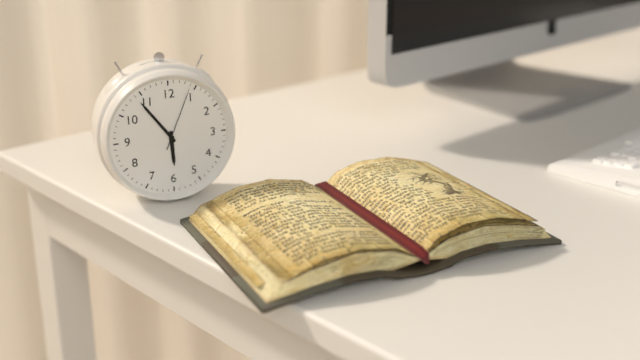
5 h 54 min 04 s
